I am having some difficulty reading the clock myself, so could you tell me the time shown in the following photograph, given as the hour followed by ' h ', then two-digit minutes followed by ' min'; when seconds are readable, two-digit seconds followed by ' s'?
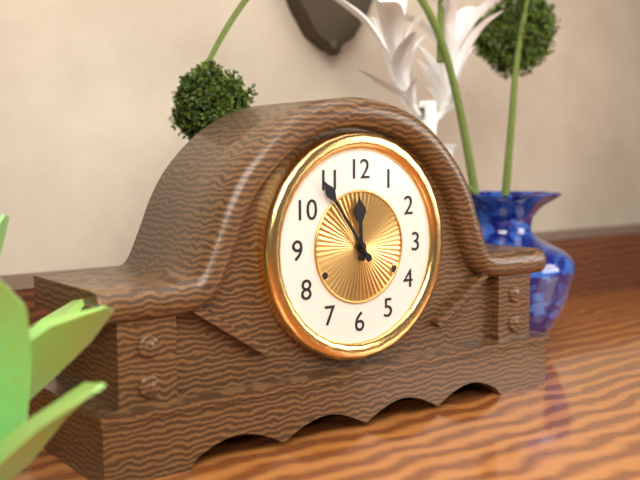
11 h 54 min
